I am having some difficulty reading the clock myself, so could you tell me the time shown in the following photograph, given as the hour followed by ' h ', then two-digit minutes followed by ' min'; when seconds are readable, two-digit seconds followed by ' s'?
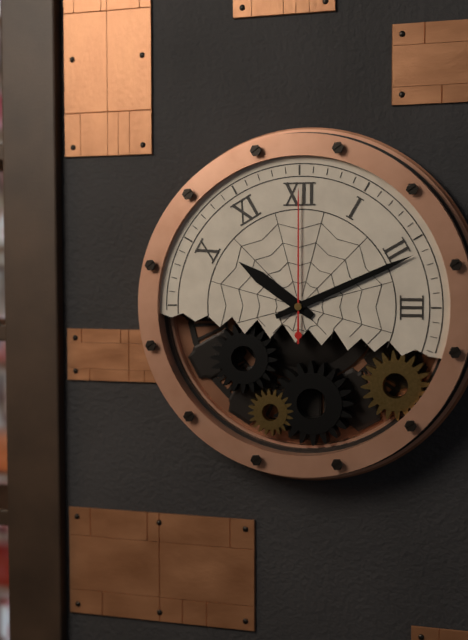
10 h 11 min 00 s
